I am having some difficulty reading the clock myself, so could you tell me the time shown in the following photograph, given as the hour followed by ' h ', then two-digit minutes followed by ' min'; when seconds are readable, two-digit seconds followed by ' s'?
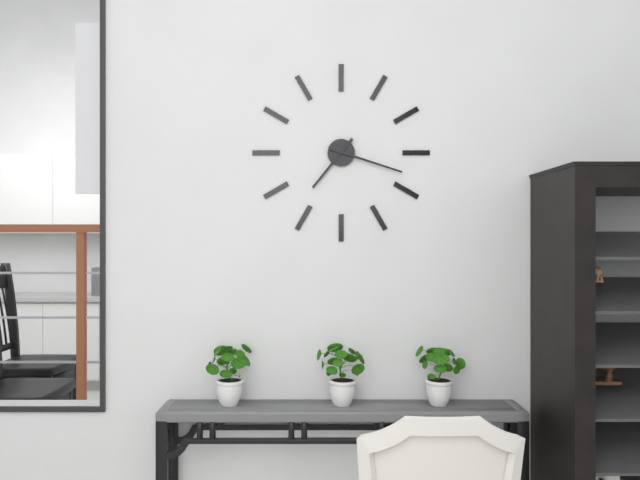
7 h 18 min
